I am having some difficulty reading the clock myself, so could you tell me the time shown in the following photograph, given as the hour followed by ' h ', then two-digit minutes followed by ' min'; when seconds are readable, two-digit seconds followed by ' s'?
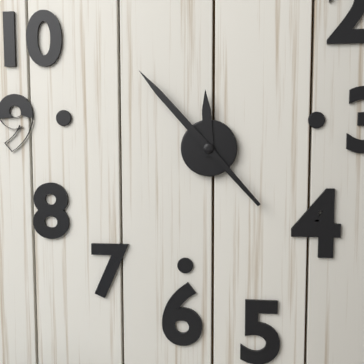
11 h 53 min
